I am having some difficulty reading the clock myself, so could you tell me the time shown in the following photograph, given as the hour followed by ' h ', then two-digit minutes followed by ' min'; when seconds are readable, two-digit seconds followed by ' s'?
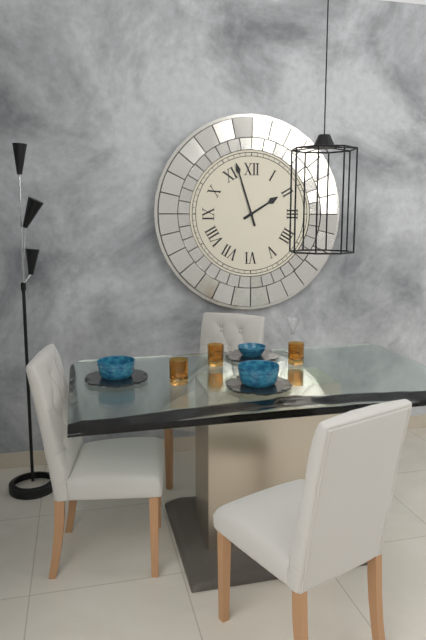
1 h 57 min
